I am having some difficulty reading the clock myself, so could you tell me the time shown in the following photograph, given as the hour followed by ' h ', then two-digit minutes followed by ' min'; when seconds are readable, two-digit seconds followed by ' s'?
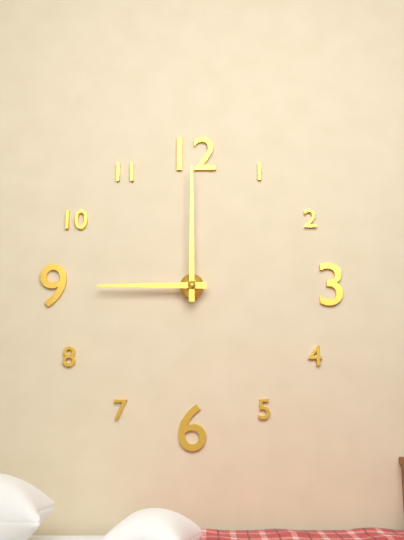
9 h 00 min
